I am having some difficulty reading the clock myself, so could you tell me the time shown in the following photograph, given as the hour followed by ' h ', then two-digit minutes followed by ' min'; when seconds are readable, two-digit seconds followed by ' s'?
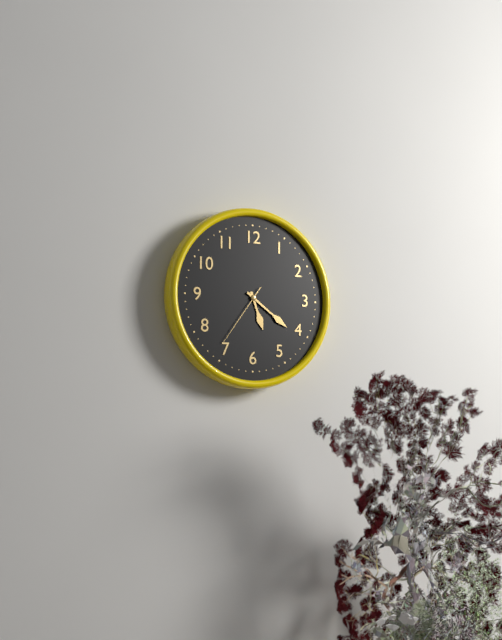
5 h 21 min 36 s
